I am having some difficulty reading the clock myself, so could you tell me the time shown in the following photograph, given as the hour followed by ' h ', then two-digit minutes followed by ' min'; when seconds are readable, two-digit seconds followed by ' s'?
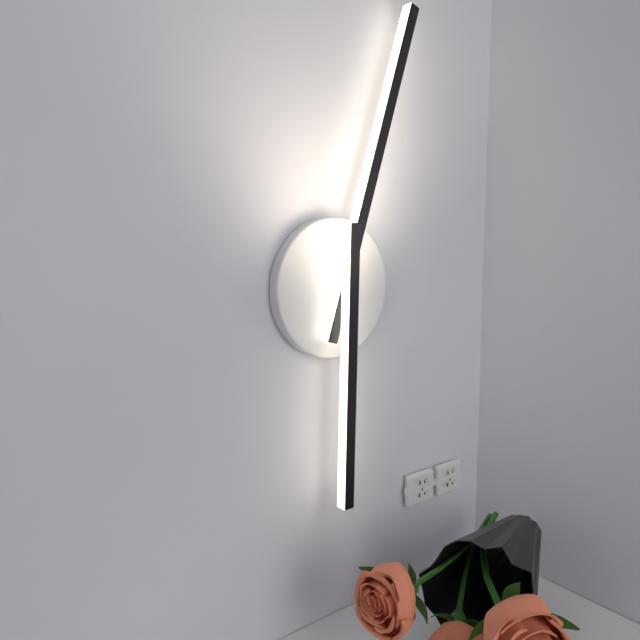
6 h 03 min
